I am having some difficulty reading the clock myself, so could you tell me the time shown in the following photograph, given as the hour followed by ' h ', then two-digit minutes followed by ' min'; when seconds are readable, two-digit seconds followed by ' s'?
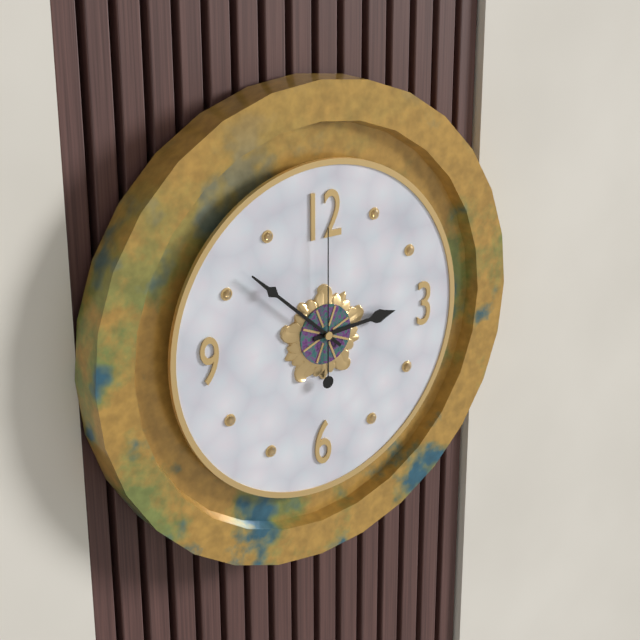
2 h 52 min 00 s
